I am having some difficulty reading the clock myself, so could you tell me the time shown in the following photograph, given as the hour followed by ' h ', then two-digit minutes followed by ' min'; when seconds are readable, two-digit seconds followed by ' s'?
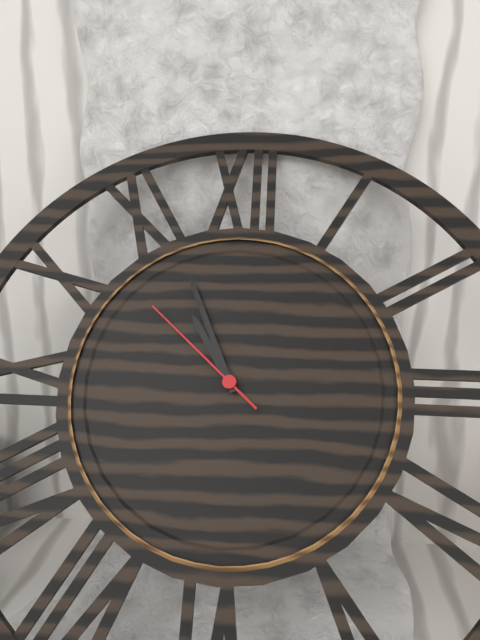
10 h 56 min 52 s
